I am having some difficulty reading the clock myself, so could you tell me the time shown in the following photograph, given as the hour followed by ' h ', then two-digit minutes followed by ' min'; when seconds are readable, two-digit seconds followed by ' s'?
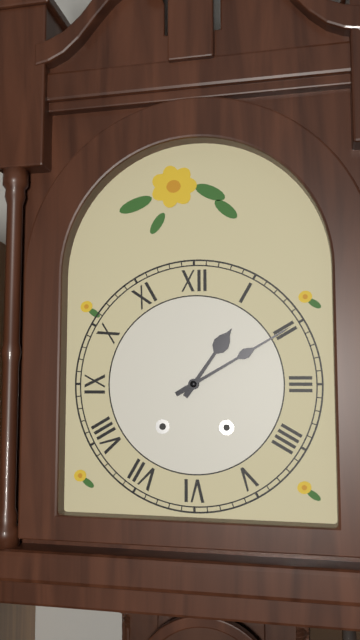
1 h 10 min
